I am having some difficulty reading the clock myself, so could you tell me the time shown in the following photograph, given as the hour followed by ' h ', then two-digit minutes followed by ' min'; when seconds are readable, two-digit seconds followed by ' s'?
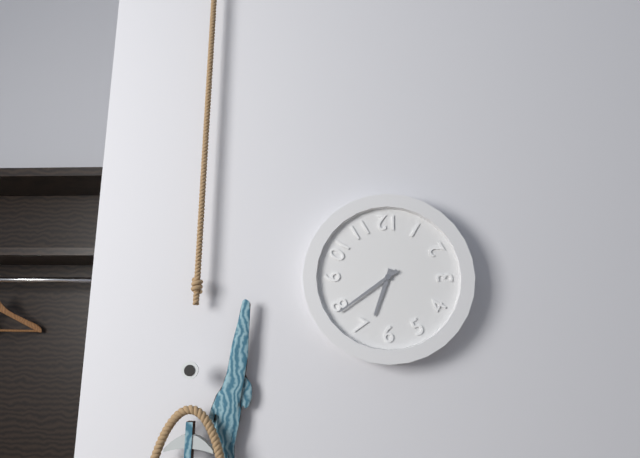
6 h 39 min
